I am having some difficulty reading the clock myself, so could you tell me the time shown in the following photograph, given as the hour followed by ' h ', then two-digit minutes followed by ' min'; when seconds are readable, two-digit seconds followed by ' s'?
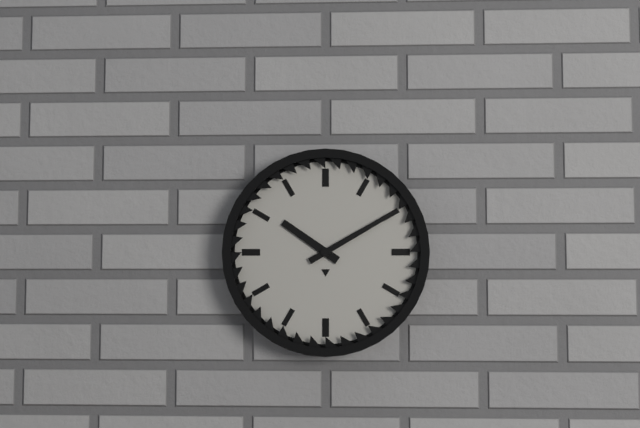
10 h 10 min
